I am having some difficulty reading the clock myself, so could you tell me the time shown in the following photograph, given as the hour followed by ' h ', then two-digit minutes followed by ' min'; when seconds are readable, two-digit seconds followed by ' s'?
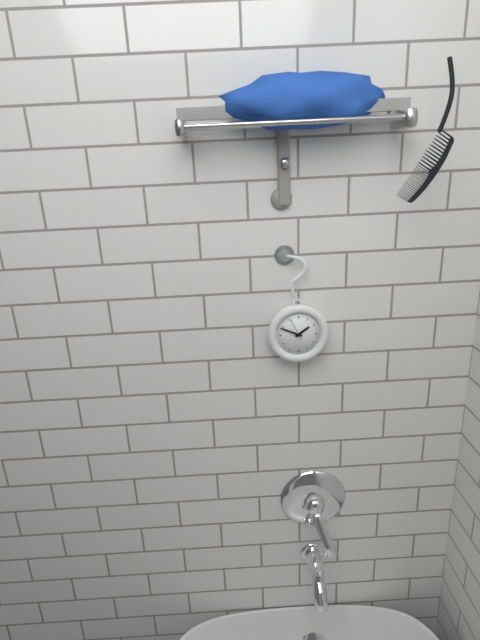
1 h 49 min
